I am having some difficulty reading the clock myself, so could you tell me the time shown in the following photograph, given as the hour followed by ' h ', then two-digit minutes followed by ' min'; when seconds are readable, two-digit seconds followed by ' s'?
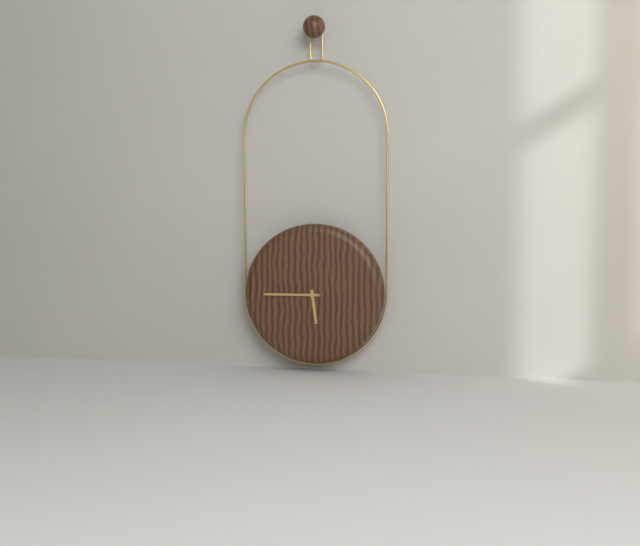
5 h 45 min
